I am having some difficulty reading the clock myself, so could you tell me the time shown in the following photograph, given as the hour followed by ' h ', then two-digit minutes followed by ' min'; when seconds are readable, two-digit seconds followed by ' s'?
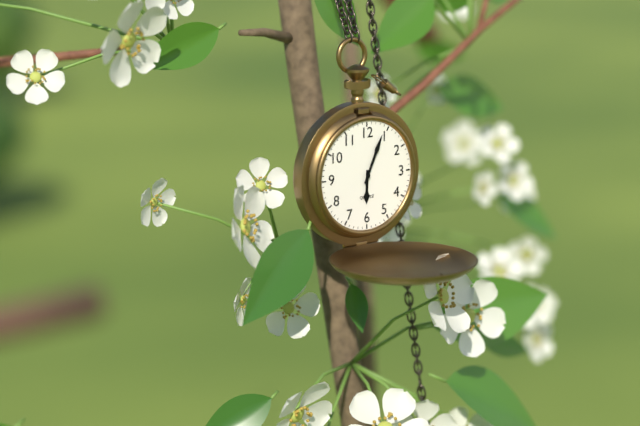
6 h 04 min
